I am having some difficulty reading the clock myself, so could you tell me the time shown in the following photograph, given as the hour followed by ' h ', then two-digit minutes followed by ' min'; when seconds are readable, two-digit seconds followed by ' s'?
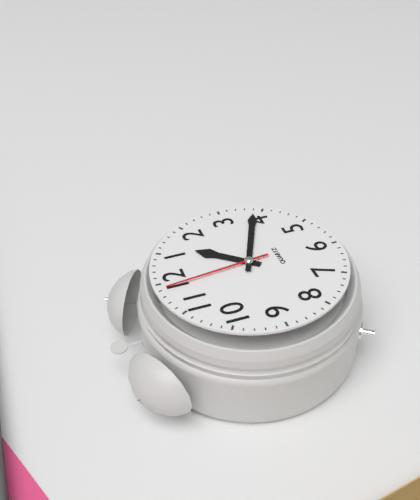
1 h 19 min 59 s
